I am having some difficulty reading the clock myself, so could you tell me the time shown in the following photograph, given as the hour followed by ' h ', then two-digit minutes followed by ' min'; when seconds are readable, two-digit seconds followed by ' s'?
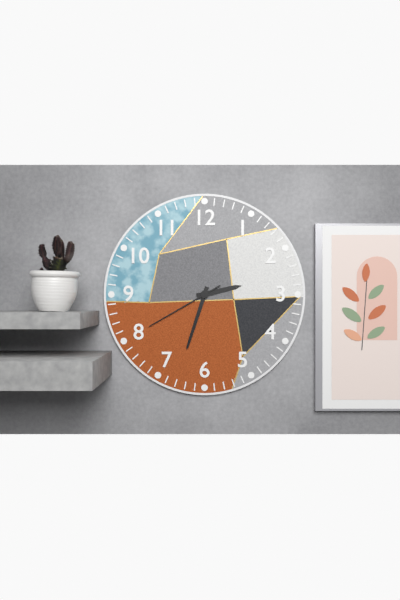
2 h 33 min 40 s
